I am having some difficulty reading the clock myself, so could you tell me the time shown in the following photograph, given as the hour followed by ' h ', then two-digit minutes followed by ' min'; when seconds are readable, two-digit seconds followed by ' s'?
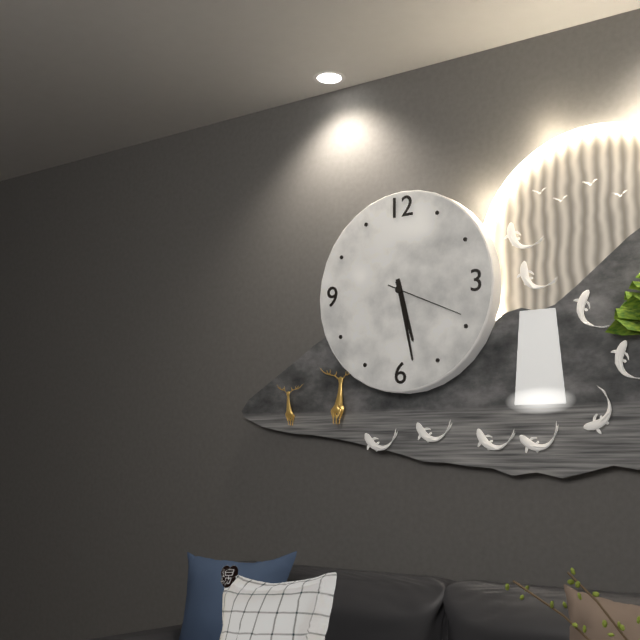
5 h 28 min 19 s
